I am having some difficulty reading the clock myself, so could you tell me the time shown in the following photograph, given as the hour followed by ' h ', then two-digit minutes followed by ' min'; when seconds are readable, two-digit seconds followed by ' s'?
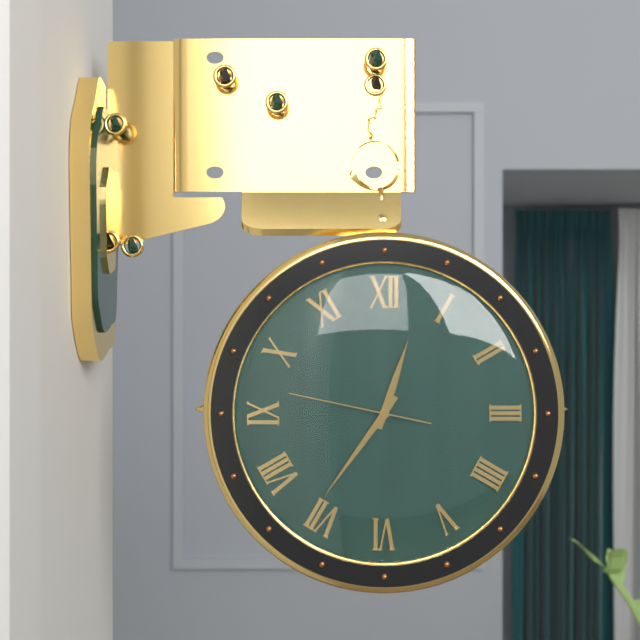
12 h 36 min 47 s
